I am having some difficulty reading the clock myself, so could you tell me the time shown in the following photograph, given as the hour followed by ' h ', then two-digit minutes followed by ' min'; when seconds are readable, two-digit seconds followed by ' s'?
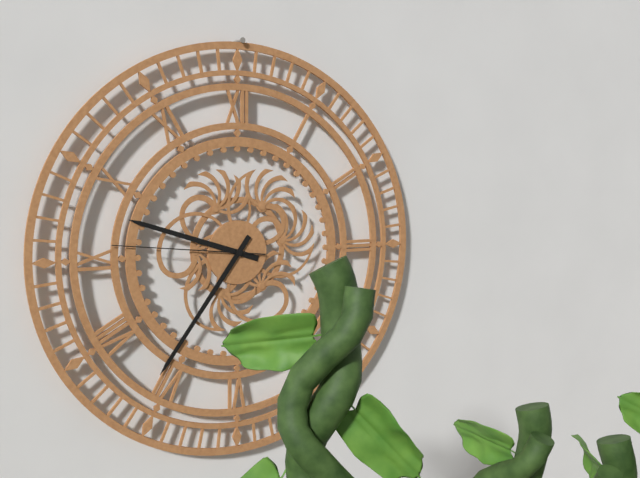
9 h 36 min 46 s
